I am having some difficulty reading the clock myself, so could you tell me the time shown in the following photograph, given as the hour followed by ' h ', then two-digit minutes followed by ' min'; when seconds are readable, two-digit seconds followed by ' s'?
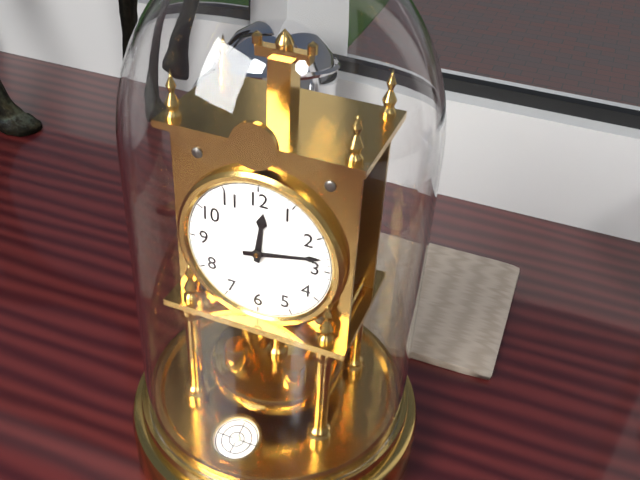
12 h 13 min
